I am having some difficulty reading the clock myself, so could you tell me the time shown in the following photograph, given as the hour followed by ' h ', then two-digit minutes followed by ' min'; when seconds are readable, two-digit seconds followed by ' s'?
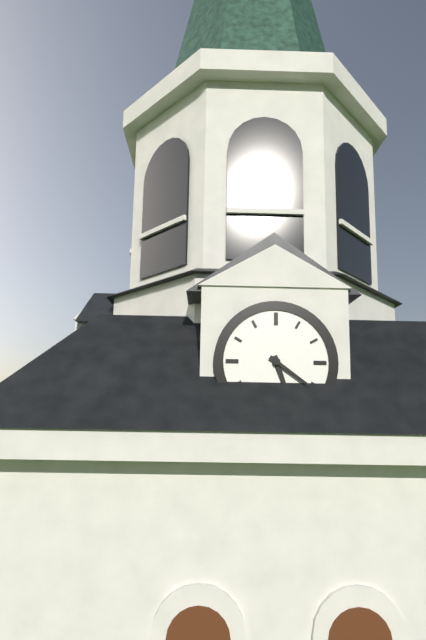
5 h 21 min
